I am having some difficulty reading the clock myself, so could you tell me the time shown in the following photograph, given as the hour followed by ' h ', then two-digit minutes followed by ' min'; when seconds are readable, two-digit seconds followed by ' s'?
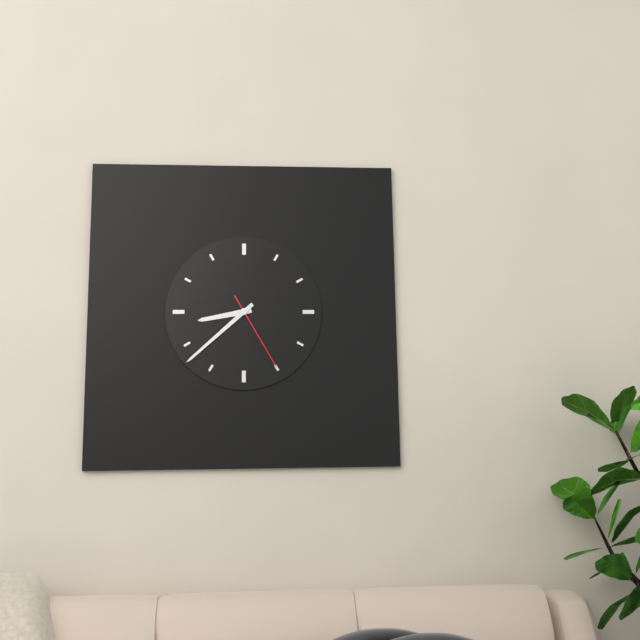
8 h 38 min 25 s
